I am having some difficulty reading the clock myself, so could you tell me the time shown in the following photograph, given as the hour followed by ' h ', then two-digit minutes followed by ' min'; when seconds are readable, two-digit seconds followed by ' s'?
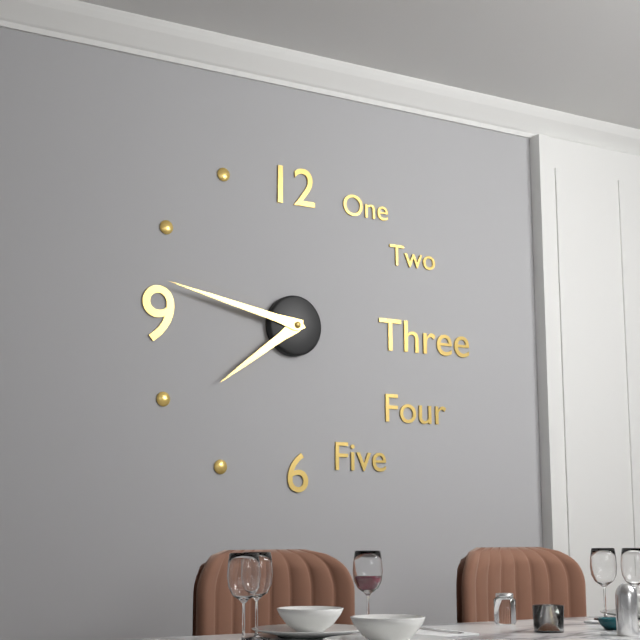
7 h 47 min
